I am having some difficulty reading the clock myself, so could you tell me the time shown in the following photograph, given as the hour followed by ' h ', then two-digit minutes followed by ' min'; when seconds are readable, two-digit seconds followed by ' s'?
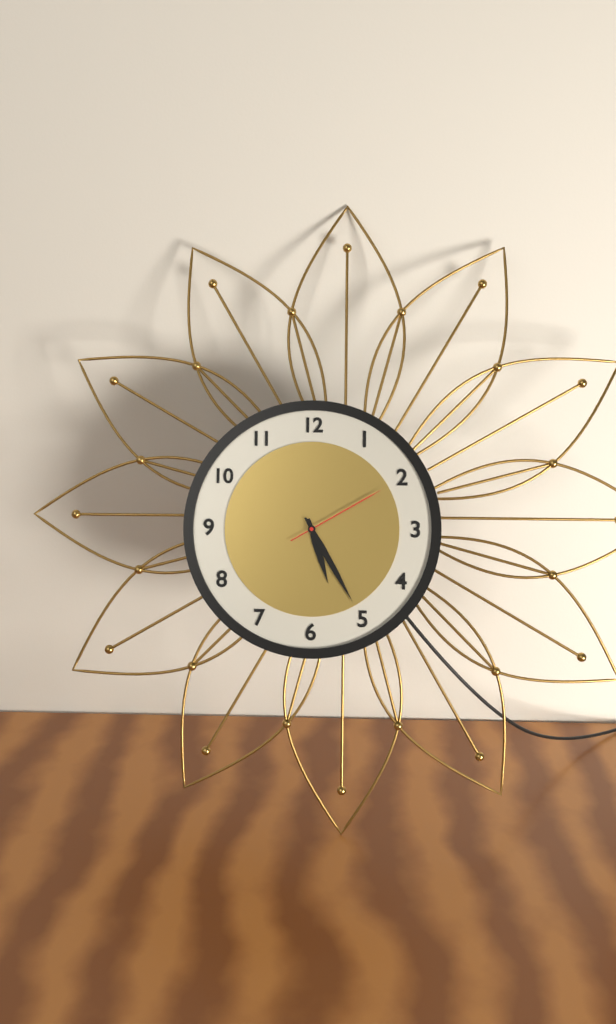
5 h 25 min 10 s
